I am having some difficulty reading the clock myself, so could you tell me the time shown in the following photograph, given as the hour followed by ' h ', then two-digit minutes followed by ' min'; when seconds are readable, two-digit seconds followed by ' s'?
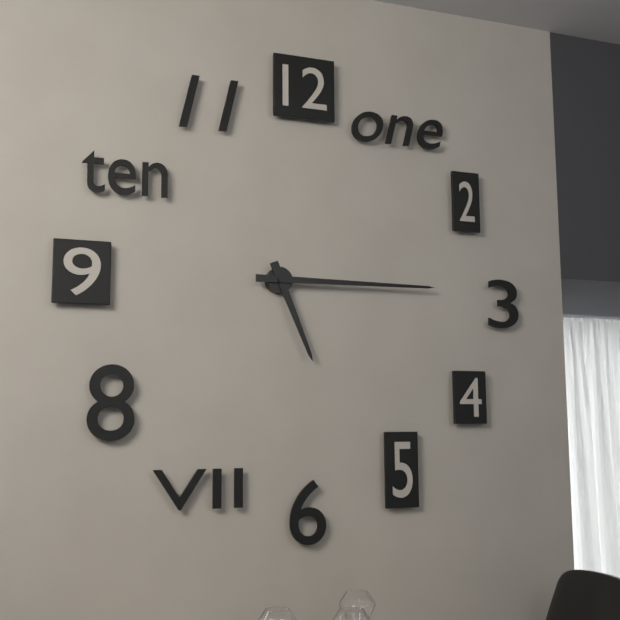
5 h 15 min
